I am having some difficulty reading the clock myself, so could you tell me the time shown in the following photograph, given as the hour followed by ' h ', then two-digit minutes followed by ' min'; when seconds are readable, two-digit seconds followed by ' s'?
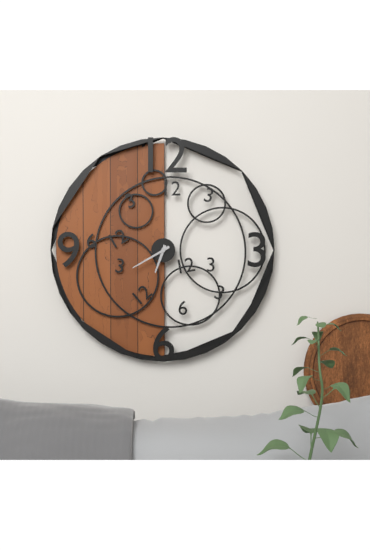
6 h 40 min
